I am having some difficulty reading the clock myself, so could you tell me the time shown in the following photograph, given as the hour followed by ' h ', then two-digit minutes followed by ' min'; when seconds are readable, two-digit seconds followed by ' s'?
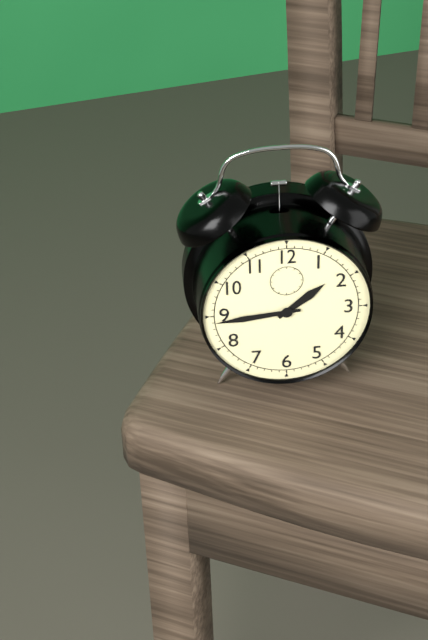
1 h 44 min
